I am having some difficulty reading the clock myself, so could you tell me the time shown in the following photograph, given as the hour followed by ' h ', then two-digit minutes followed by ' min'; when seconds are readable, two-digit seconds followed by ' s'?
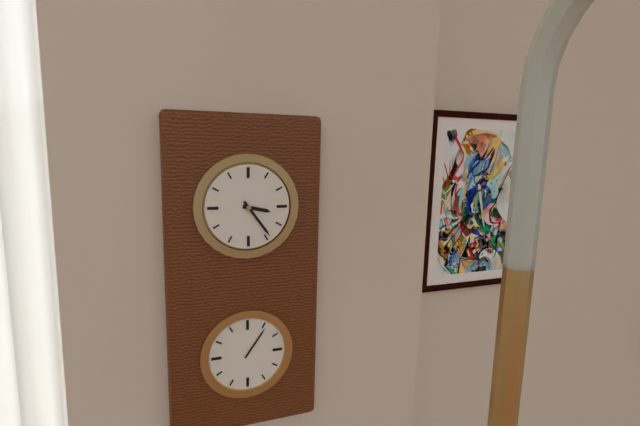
3 h 24 min
